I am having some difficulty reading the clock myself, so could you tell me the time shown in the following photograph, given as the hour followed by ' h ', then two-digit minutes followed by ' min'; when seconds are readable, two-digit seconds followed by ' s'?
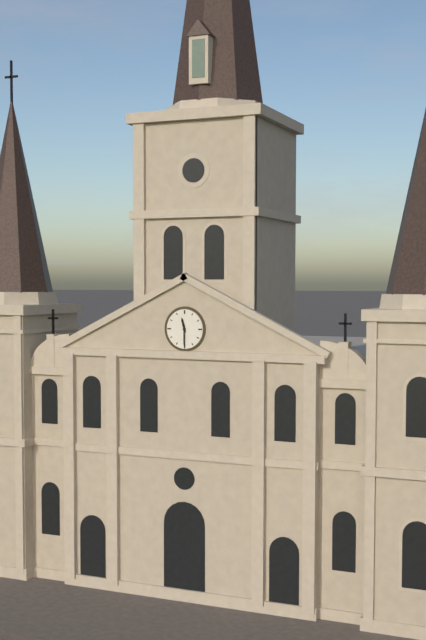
11 h 30 min
